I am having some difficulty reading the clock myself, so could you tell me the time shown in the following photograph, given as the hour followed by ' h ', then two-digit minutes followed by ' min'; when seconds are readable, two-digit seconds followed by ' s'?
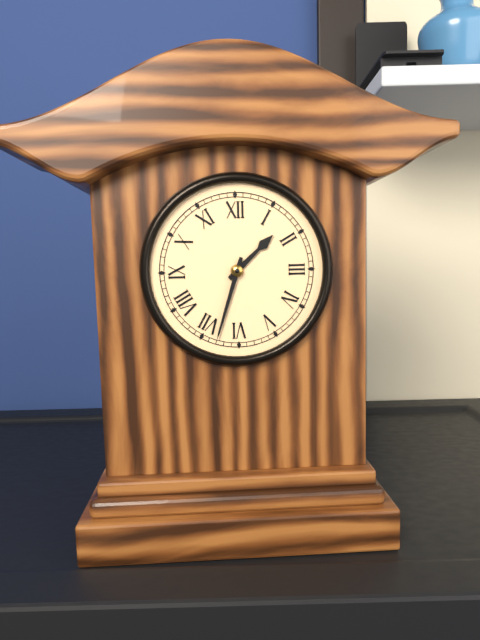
1 h 33 min
